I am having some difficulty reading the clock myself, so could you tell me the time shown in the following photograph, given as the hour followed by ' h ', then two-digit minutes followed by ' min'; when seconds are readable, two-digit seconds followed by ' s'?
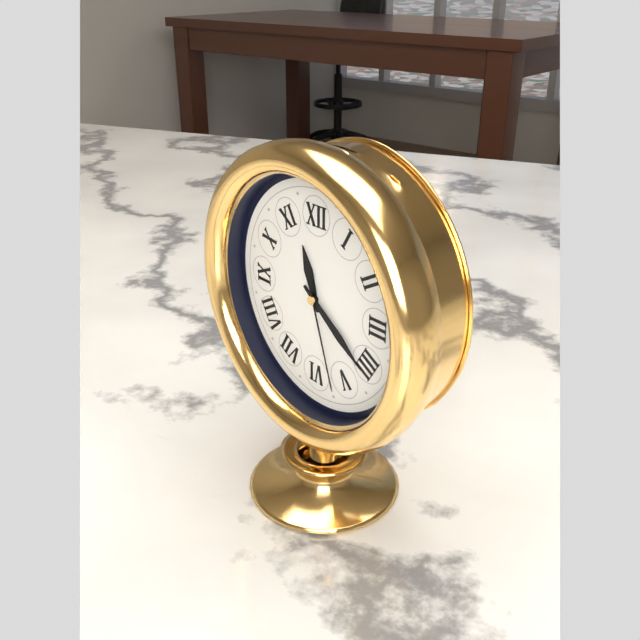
11 h 21 min 27 s
